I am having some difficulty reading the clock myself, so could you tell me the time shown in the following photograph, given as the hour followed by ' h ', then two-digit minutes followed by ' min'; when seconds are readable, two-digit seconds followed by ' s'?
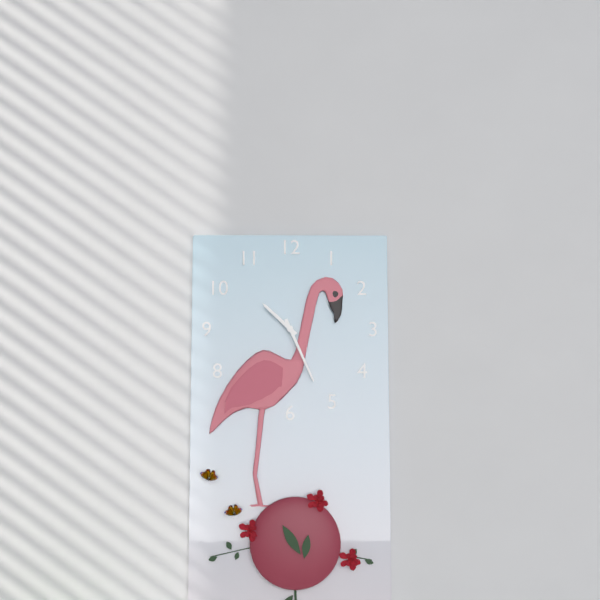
10 h 26 min
